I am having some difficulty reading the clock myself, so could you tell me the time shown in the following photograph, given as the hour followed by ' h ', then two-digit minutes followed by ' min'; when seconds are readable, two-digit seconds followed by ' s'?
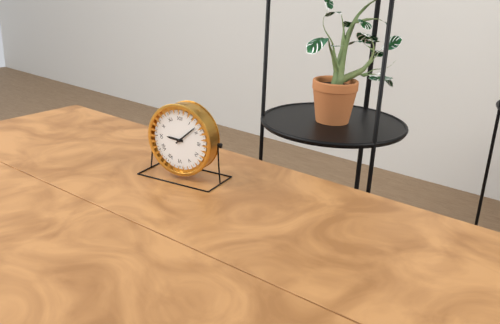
9 h 08 min
